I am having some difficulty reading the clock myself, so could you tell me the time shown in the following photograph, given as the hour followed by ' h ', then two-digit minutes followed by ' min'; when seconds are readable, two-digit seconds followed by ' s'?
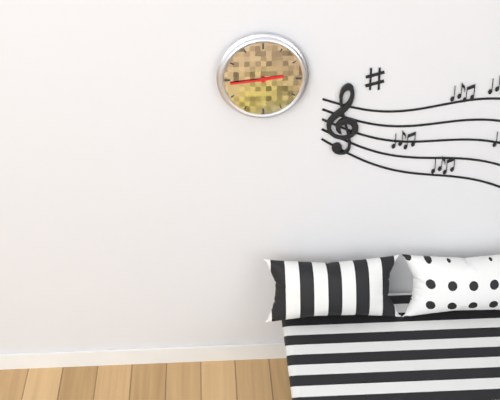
2 h 44 min
